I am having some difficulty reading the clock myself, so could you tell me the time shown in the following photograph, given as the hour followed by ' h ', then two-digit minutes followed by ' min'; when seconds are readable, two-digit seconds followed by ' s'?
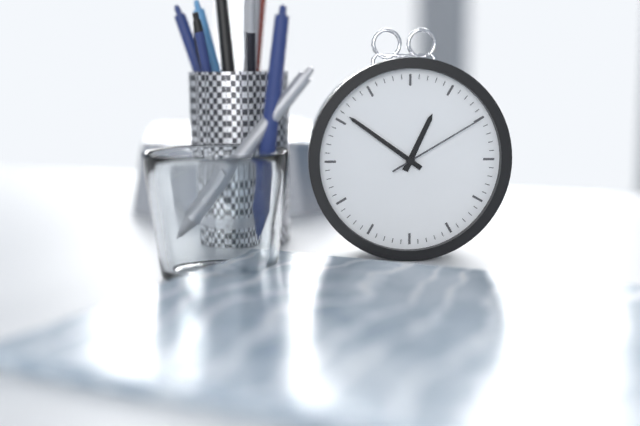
12 h 51 min 10 s
